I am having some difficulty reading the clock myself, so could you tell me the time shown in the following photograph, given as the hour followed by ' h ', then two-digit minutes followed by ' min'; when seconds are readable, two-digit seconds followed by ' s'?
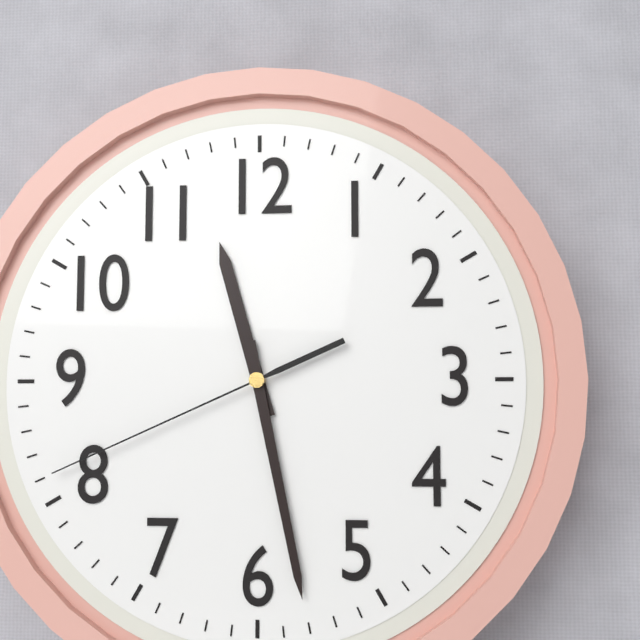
11 h 28 min 41 s
